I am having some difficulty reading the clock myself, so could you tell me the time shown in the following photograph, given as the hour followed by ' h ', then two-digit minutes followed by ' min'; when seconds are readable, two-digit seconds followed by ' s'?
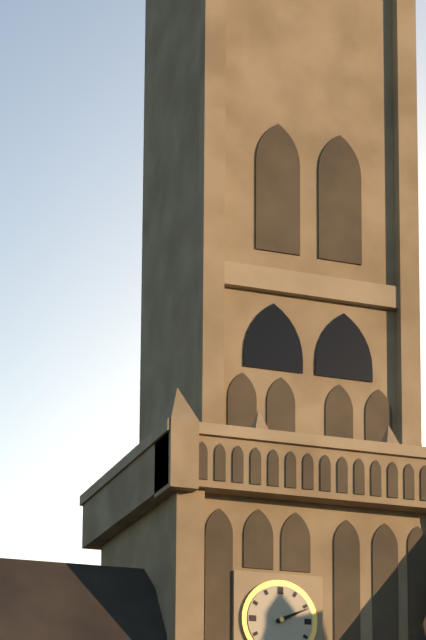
2 h 11 min
